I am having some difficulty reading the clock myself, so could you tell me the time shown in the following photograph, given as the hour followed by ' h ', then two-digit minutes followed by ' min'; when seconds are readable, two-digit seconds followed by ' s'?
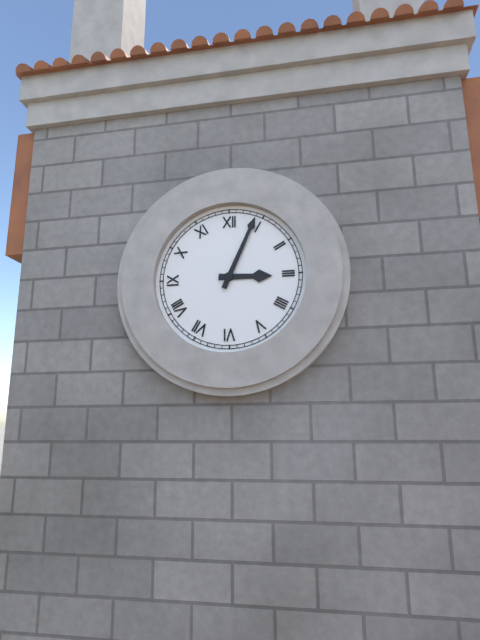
3 h 04 min
